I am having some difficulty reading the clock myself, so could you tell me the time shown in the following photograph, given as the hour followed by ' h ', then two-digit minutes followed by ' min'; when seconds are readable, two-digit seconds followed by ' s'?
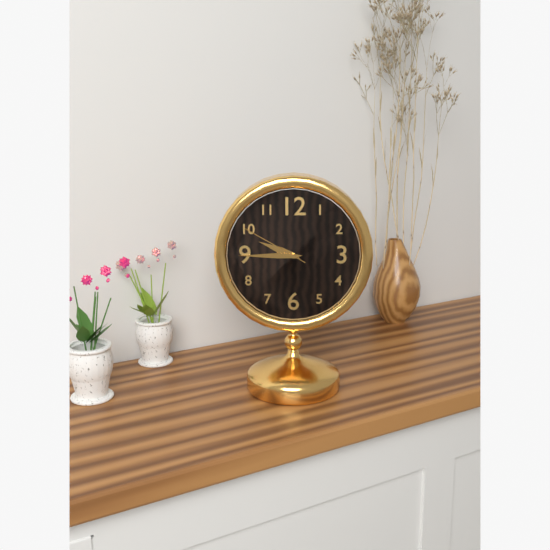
9 h 45 min 50 s
